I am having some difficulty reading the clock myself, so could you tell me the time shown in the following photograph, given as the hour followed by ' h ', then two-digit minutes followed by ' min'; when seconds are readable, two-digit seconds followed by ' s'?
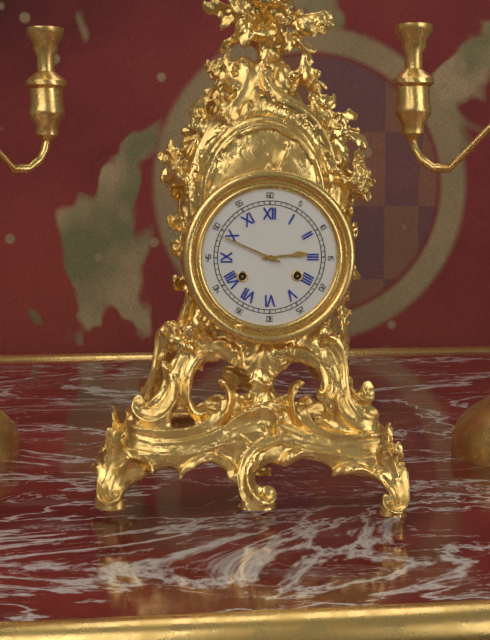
2 h 49 min
